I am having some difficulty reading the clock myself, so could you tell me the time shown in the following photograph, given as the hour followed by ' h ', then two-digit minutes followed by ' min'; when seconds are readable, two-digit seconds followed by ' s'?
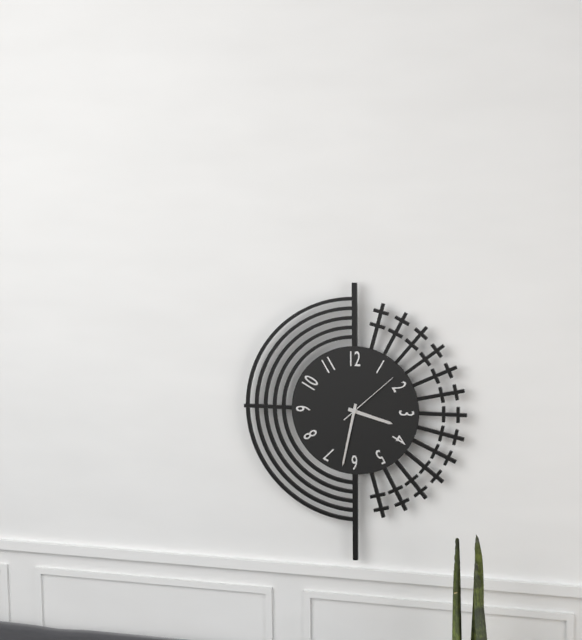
3 h 32 min 08 s
